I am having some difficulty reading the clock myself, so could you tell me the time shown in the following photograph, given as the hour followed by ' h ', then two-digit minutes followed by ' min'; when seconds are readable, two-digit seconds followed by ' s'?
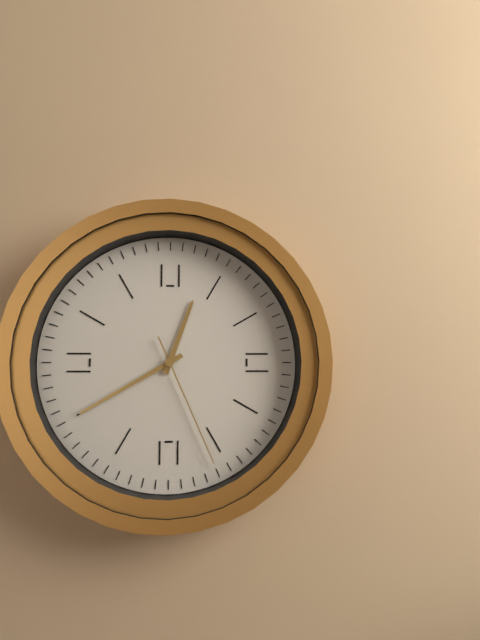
12 h 40 min 26 s
